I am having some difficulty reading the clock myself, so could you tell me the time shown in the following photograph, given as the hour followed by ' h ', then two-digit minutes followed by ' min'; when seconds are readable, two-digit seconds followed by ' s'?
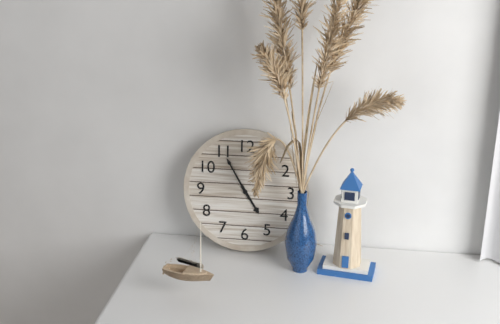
4 h 55 min
